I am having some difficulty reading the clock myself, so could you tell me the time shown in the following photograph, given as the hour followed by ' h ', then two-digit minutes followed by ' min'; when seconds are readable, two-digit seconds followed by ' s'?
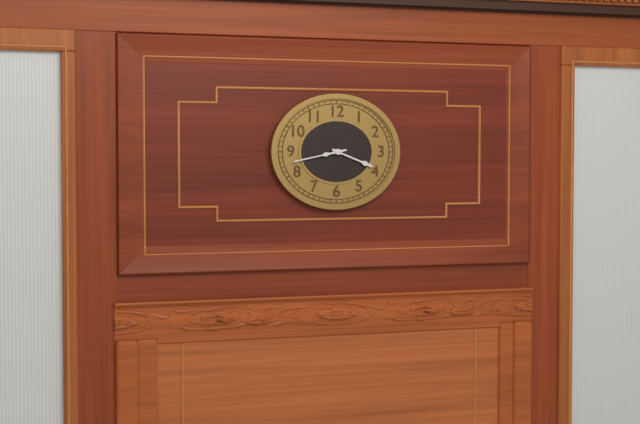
3 h 43 min
